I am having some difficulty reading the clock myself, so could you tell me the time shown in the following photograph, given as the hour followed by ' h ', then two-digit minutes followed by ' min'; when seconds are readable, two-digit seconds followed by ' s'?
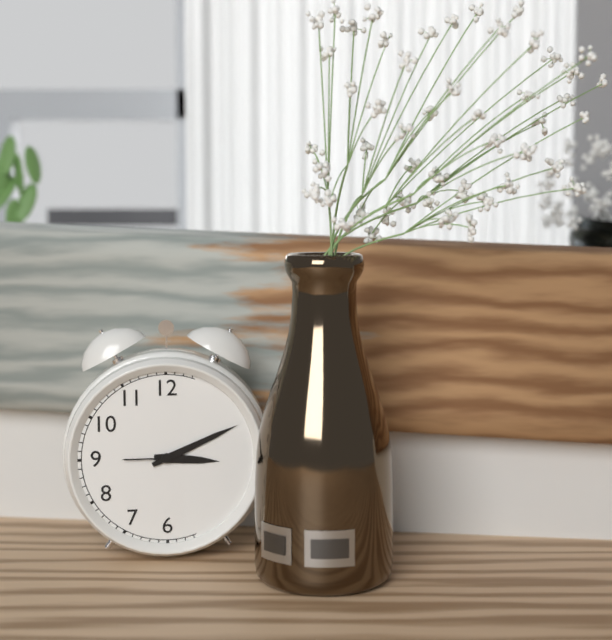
3 h 11 min
